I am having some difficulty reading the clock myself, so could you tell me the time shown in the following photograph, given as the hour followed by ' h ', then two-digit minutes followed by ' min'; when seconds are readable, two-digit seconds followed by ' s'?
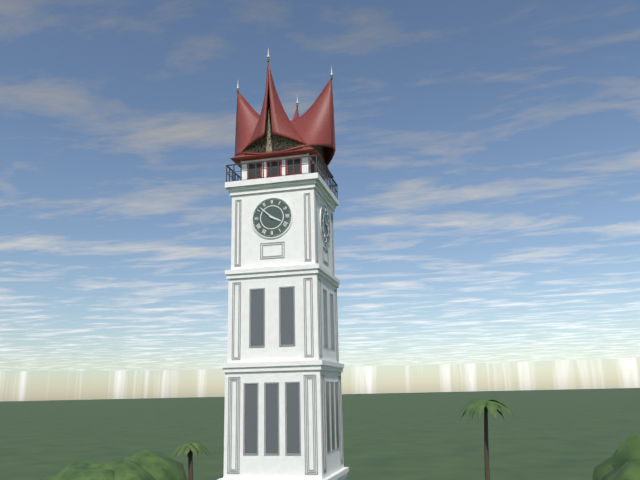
3 h 52 min
